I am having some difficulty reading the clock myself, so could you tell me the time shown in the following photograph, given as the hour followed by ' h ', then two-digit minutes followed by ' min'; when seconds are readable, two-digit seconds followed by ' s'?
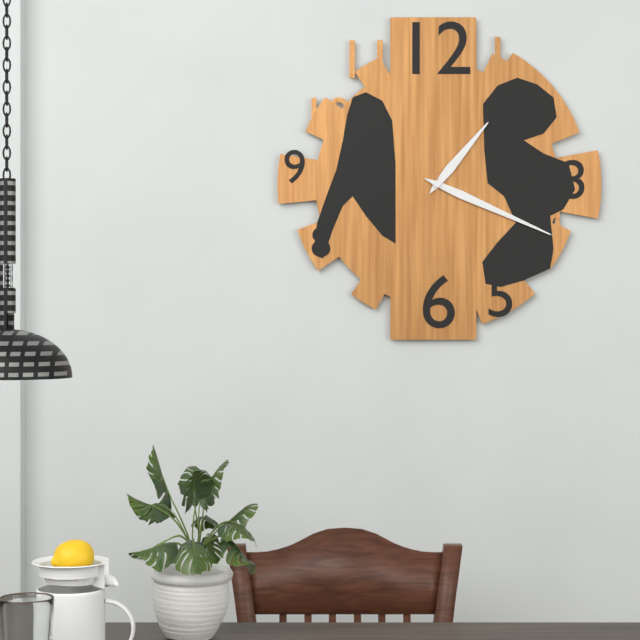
1 h 19 min 00 s
